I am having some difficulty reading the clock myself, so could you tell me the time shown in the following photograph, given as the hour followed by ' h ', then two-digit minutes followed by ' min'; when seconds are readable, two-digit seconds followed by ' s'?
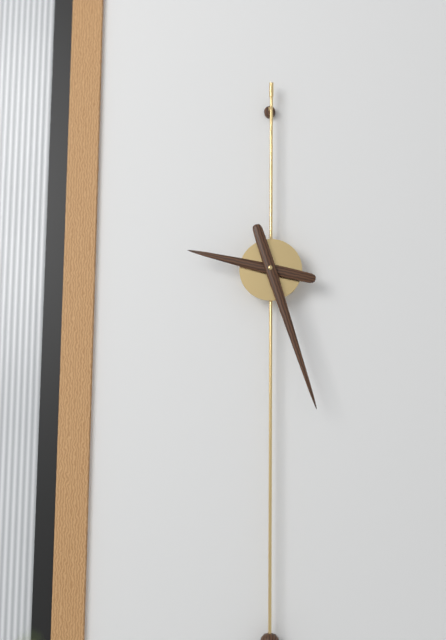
9 h 27 min
